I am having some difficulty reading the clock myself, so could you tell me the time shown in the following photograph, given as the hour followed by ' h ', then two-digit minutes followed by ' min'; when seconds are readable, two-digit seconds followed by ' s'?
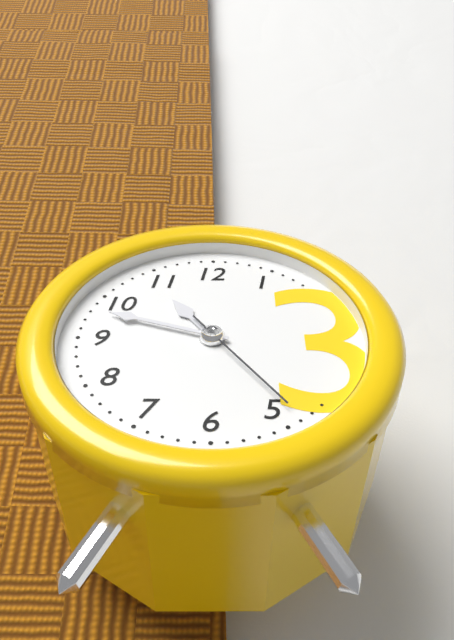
10 h 48 min 24 s
